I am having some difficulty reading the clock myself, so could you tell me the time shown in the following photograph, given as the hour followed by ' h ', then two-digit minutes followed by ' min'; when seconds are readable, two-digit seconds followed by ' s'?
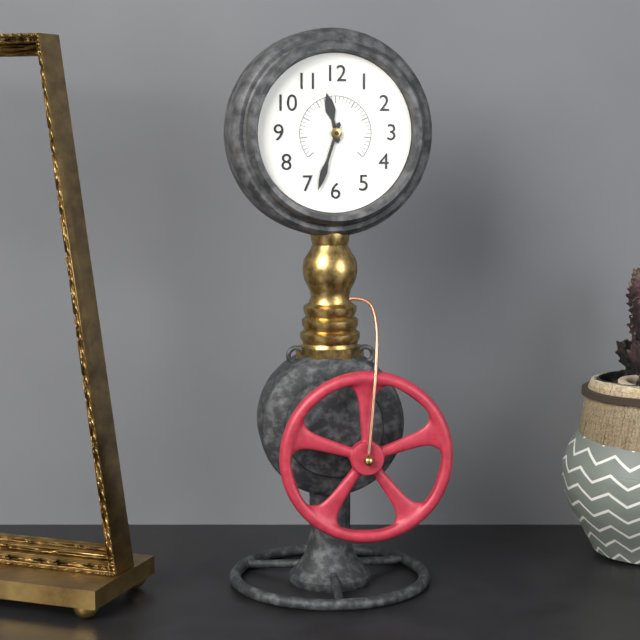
11 h 33 min
